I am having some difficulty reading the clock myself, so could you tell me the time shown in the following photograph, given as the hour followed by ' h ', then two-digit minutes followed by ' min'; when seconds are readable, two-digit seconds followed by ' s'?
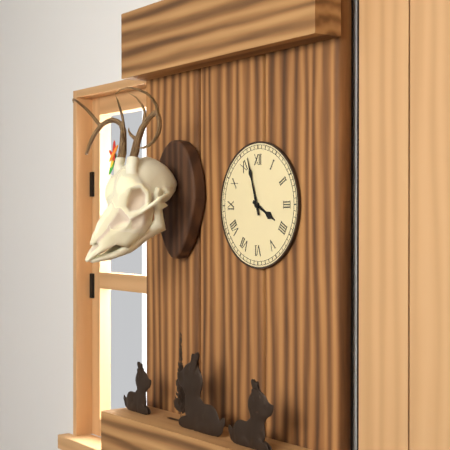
3 h 57 min
